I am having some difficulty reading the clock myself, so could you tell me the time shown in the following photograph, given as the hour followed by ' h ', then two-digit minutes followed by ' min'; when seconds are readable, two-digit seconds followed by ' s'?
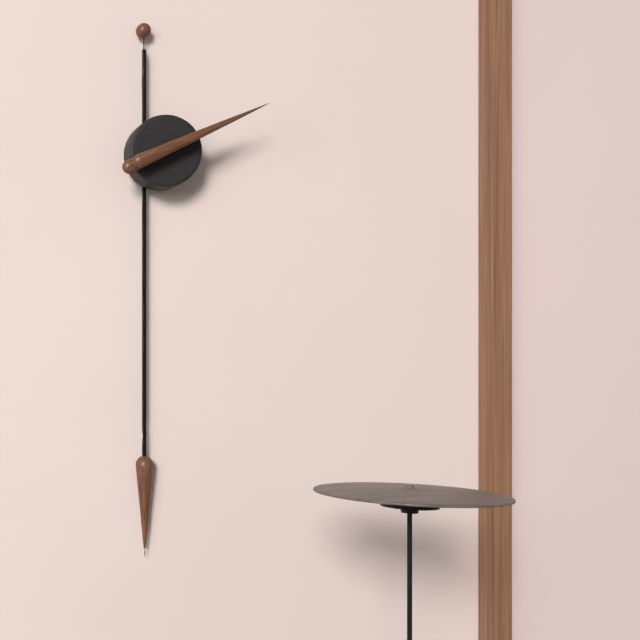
2 h 11 min
